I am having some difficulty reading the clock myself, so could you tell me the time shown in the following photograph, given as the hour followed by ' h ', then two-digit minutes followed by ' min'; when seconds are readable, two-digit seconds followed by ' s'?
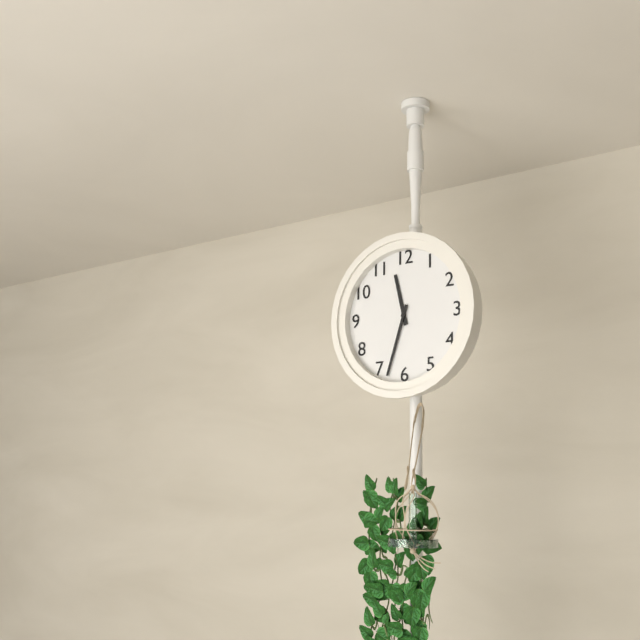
11 h 33 min
